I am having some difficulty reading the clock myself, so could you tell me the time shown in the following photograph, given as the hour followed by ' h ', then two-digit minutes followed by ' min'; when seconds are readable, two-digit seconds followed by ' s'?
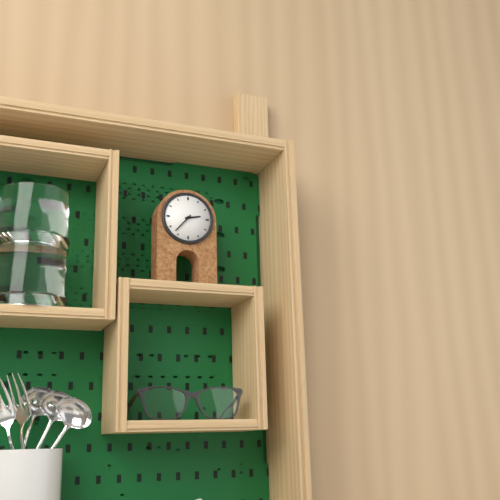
2 h 37 min
